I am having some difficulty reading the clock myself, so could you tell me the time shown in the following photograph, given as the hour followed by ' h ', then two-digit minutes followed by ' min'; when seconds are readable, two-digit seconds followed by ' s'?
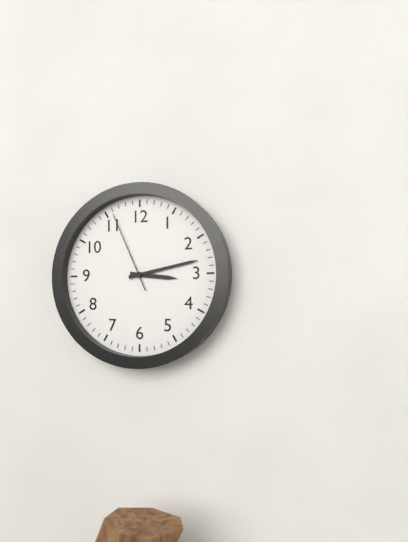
3 h 13 min 56 s
